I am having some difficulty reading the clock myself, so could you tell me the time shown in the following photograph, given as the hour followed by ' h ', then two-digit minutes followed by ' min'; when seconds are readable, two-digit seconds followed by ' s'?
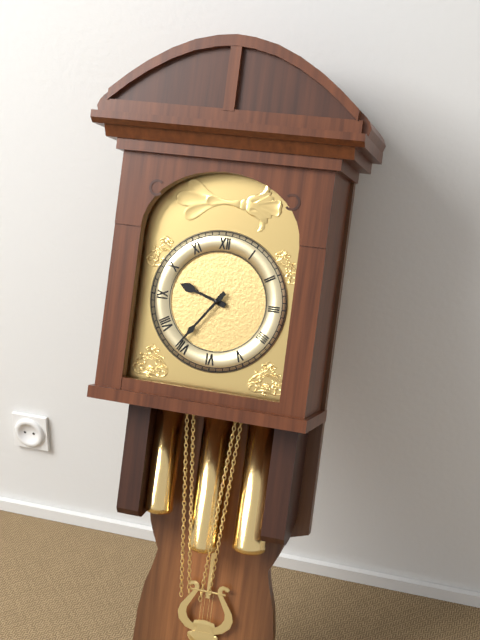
9 h 36 min
